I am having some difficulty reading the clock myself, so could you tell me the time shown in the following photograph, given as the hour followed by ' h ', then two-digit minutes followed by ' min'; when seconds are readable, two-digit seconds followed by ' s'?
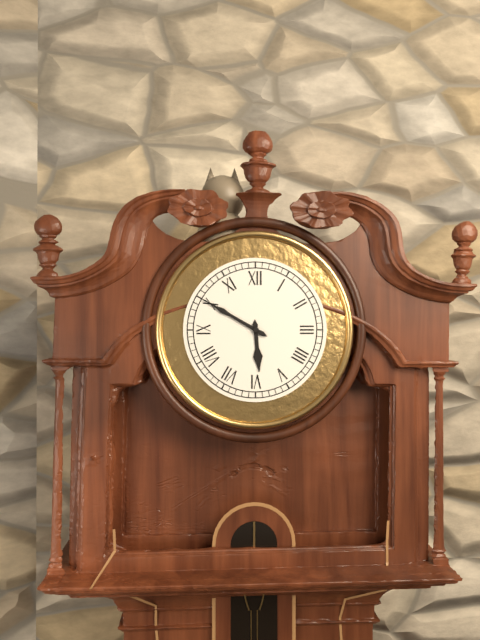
5 h 50 min
